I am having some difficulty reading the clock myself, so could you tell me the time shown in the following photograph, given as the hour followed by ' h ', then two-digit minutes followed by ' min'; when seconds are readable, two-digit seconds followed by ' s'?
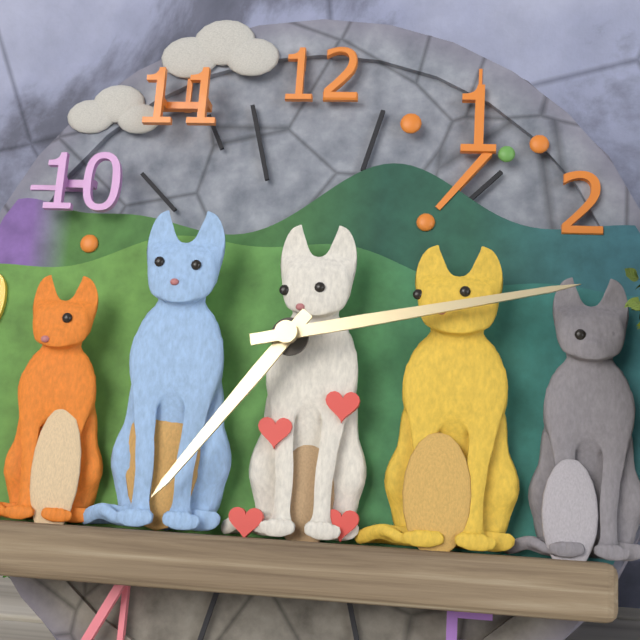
7 h 13 min
